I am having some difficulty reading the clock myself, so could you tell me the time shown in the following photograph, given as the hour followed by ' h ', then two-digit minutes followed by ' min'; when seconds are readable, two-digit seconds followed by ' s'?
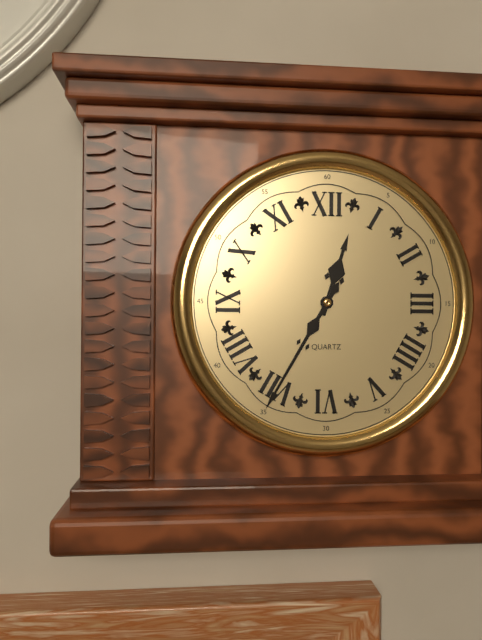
12 h 35 min
